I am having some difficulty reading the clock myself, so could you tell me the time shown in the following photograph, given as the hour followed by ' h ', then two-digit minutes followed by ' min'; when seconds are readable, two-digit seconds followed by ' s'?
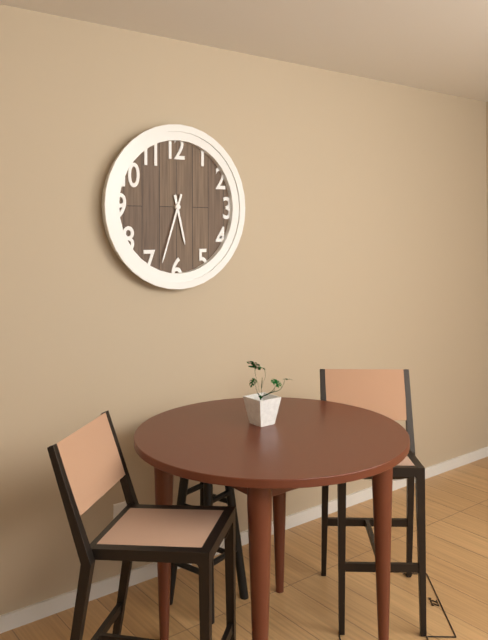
5 h 33 min
